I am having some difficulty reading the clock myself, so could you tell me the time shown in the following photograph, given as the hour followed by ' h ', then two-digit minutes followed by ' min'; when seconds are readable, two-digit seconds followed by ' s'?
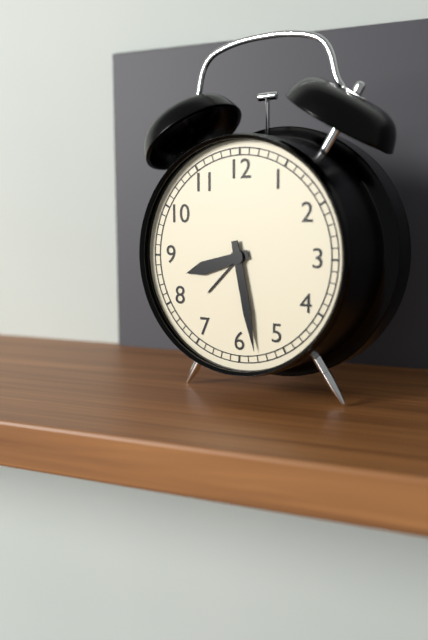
8 h 28 min
